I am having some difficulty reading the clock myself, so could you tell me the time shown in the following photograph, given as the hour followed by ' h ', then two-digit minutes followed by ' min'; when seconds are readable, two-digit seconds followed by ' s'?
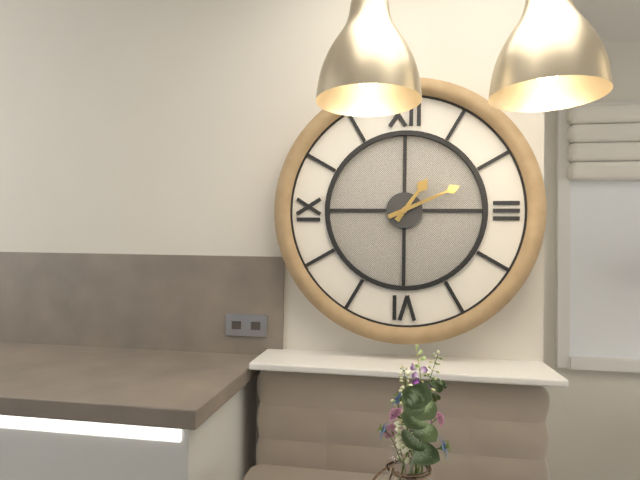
1 h 11 min
